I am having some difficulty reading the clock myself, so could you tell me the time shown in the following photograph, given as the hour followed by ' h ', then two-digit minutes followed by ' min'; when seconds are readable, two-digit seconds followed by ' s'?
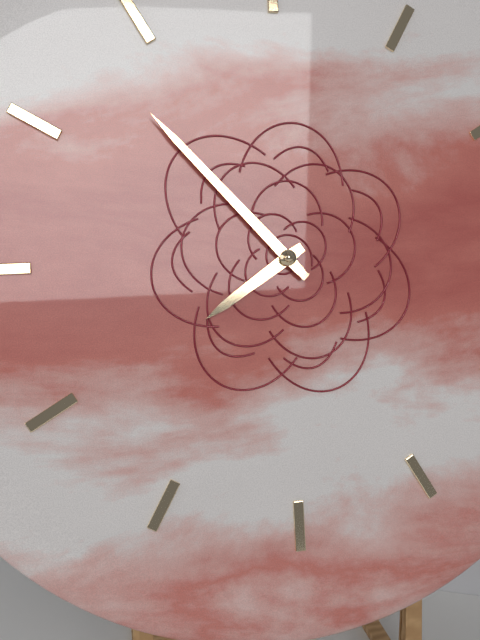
7 h 53 min
